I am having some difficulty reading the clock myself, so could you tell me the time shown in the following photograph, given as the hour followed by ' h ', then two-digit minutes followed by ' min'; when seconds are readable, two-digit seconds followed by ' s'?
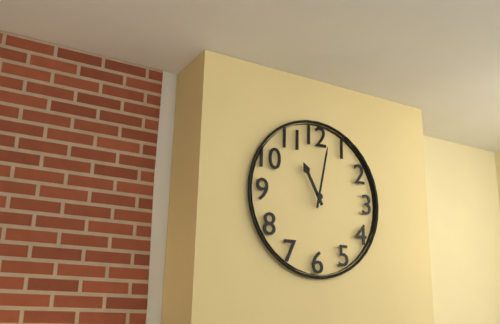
11 h 02 min
